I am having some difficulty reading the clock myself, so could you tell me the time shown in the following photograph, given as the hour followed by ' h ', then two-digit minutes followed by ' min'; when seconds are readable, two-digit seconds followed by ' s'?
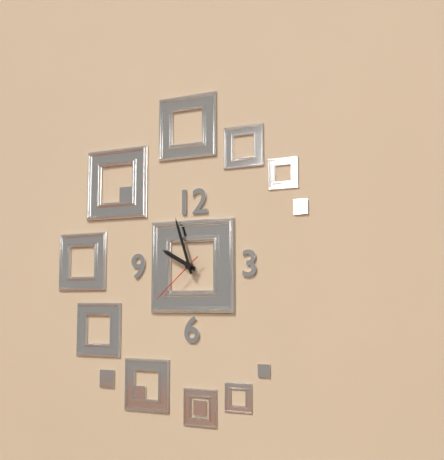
9 h 57 min 38 s
